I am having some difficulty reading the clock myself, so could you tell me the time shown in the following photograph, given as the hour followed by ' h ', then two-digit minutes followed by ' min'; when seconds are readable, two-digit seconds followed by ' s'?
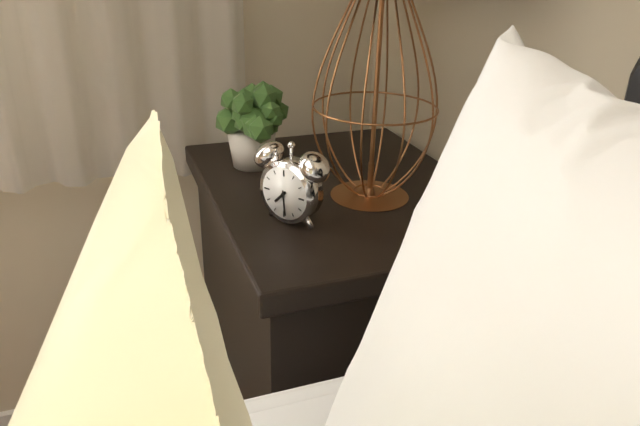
7 h 29 min
